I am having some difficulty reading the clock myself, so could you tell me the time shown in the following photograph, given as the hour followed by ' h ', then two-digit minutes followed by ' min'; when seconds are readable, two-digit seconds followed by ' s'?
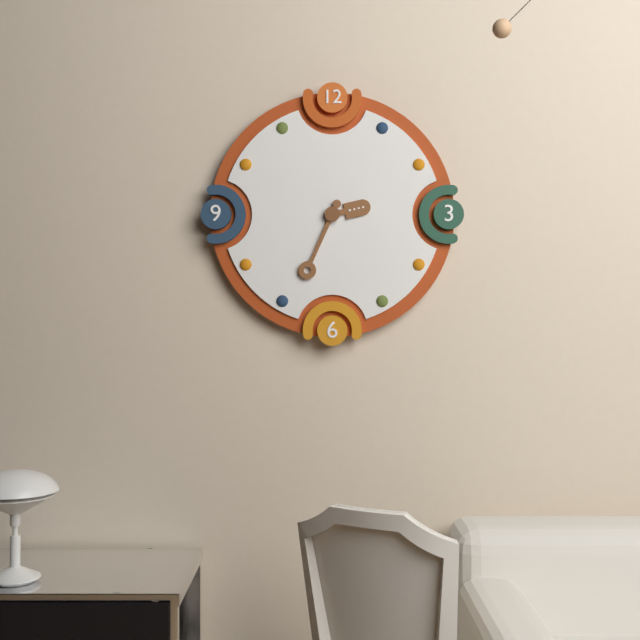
2 h 34 min
